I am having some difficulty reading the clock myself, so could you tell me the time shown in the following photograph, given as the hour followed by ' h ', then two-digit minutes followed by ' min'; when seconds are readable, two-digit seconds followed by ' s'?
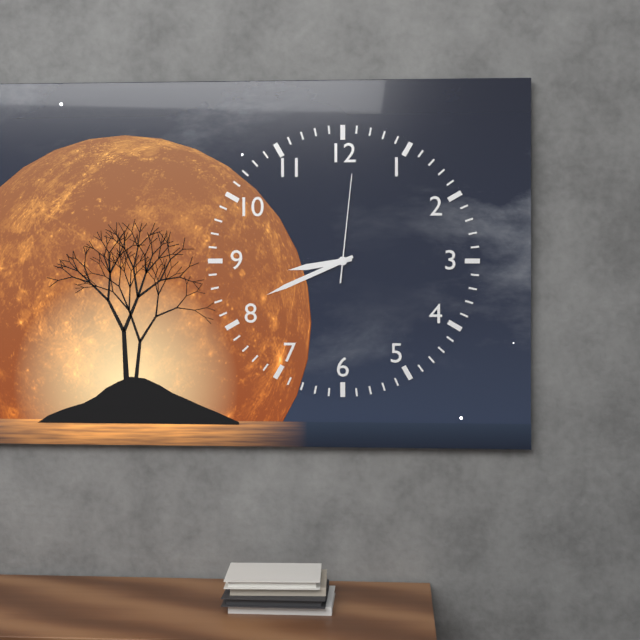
8 h 41 min 01 s
